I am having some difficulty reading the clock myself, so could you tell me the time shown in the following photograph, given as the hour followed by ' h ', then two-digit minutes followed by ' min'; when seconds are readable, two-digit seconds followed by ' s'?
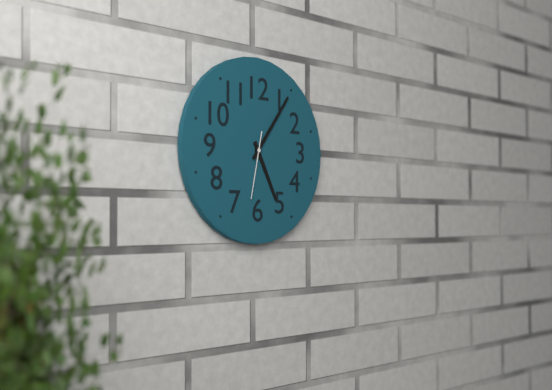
5 h 06 min 32 s
